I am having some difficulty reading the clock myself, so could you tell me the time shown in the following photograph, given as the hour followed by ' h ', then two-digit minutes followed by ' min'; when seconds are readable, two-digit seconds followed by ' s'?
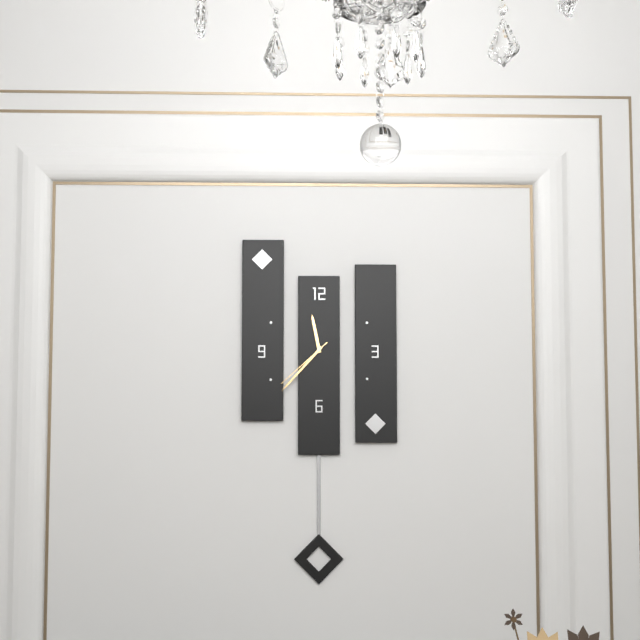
11 h 37 min 38 s
